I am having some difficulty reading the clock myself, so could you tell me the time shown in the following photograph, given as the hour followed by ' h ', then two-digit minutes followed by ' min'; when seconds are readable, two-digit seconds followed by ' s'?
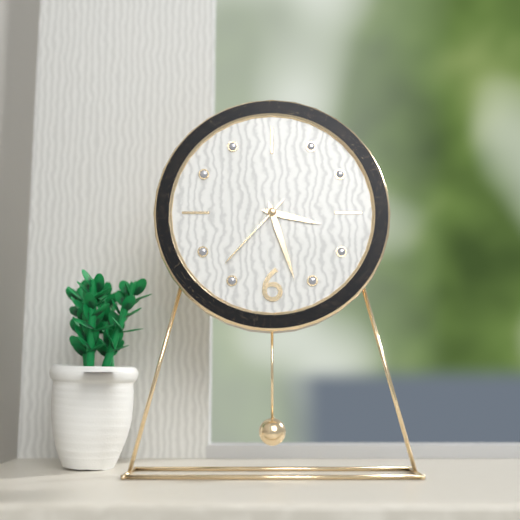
3 h 27 min 37 s
